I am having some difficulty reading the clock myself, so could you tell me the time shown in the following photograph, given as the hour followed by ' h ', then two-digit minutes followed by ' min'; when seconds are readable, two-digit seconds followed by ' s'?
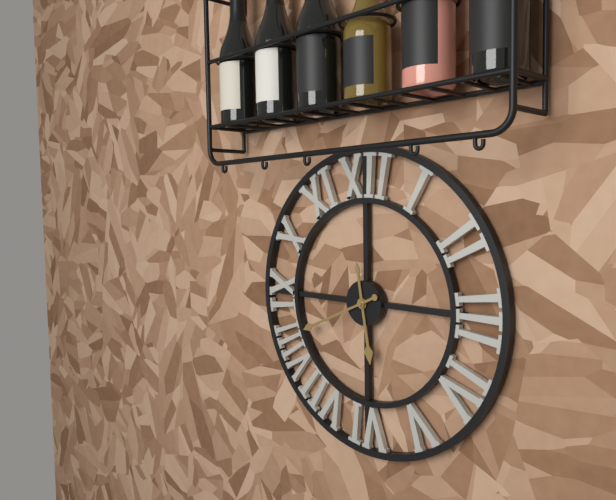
5 h 41 min
